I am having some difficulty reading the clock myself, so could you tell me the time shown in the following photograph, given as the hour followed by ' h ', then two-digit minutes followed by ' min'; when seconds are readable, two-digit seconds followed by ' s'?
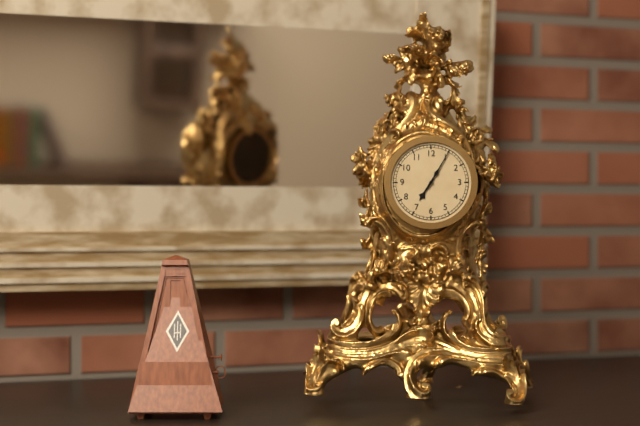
7 h 05 min
